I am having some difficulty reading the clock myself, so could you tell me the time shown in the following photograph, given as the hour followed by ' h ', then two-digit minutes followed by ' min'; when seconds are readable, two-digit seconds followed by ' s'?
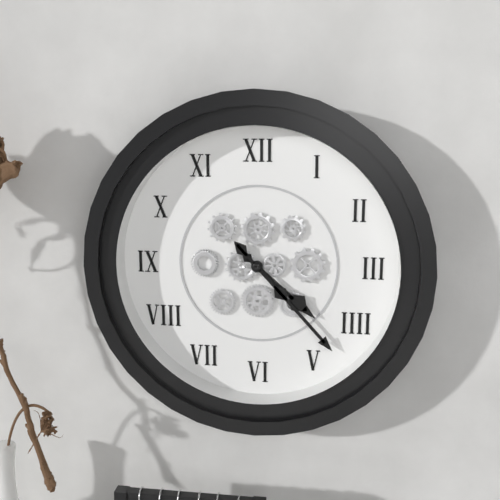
4 h 23 min
